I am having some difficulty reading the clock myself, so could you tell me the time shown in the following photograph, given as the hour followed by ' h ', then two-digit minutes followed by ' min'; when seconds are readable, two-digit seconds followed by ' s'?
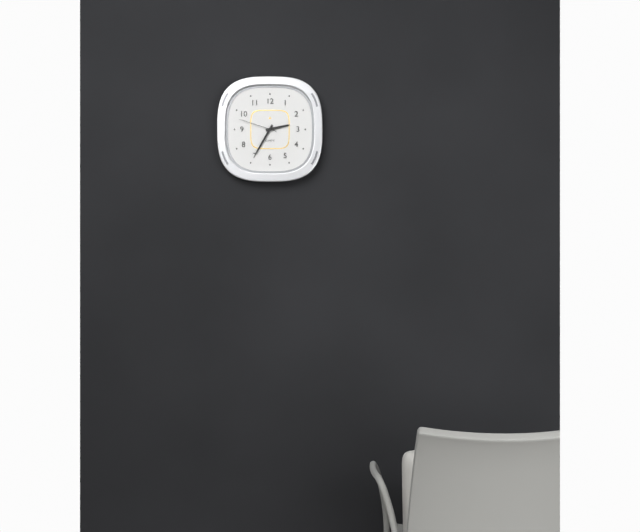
2 h 35 min
